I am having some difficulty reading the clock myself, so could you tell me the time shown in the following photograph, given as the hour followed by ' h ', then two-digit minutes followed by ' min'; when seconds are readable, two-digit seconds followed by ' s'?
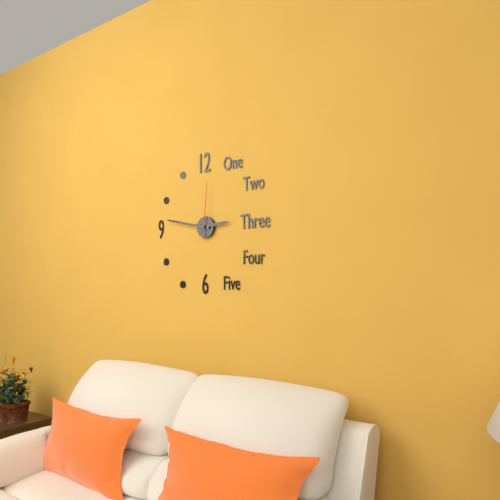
2 h 47 min 01 s
